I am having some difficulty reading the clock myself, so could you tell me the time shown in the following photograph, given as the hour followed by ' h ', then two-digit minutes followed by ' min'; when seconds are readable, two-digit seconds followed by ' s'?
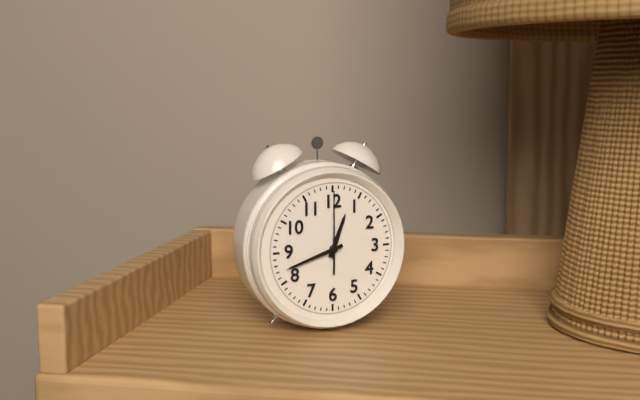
12 h 42 min 00 s
